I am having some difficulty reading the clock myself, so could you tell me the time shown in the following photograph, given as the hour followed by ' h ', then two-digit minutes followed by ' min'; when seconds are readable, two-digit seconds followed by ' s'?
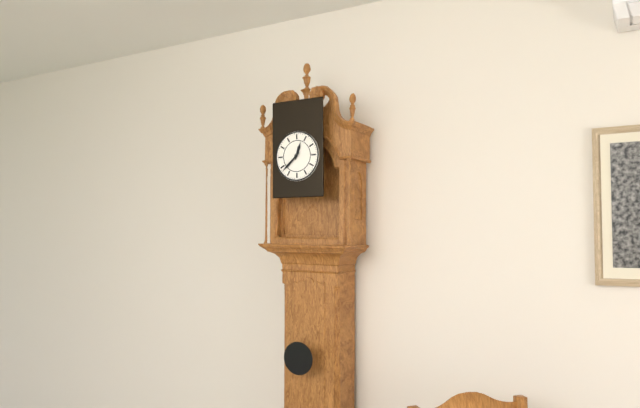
12 h 38 min
